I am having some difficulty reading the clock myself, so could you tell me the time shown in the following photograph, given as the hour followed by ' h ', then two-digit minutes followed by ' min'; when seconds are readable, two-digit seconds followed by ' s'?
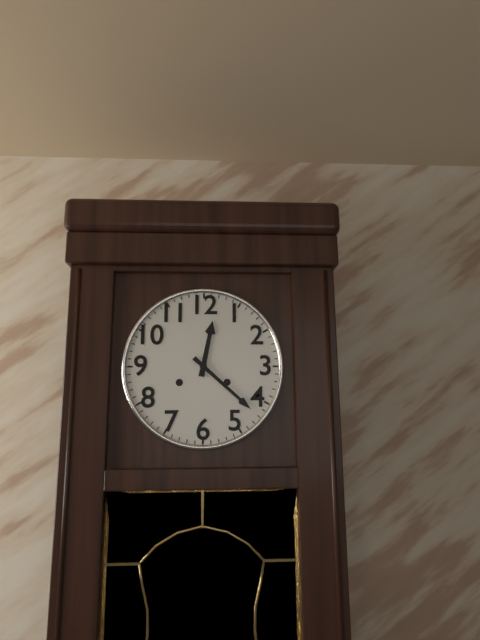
12 h 22 min
